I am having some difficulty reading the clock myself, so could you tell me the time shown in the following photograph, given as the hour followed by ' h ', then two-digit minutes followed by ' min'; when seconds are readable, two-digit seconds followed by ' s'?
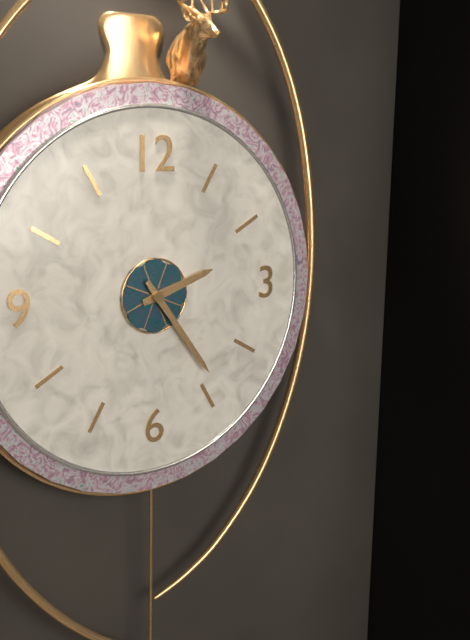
2 h 24 min
